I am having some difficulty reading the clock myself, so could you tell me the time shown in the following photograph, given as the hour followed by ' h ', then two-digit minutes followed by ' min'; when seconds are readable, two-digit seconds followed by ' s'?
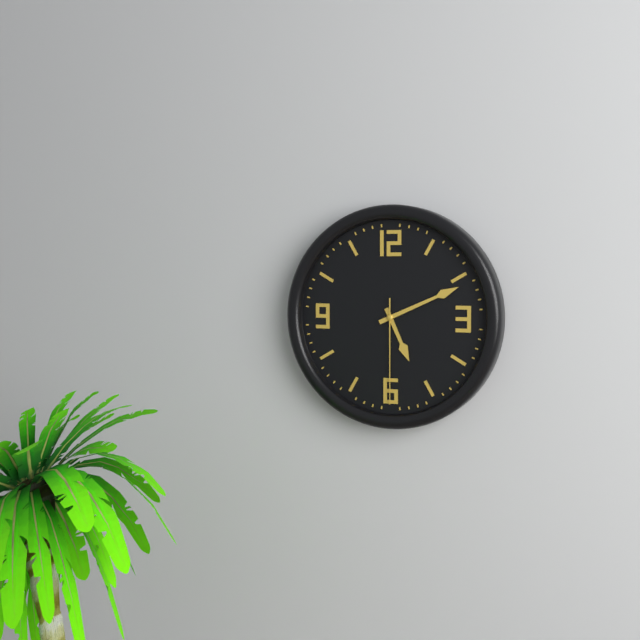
5 h 11 min 30 s
